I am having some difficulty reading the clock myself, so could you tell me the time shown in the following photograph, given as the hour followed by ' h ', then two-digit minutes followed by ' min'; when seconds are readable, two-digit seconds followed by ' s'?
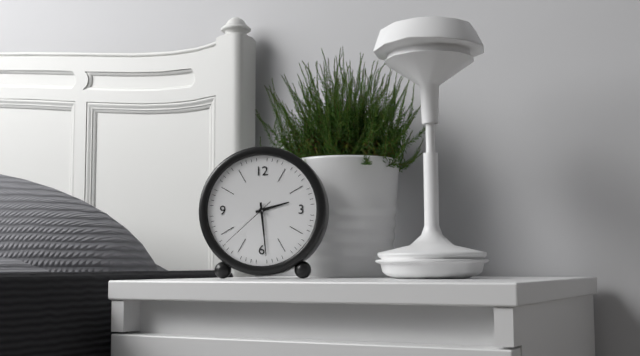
2 h 29 min 38 s
